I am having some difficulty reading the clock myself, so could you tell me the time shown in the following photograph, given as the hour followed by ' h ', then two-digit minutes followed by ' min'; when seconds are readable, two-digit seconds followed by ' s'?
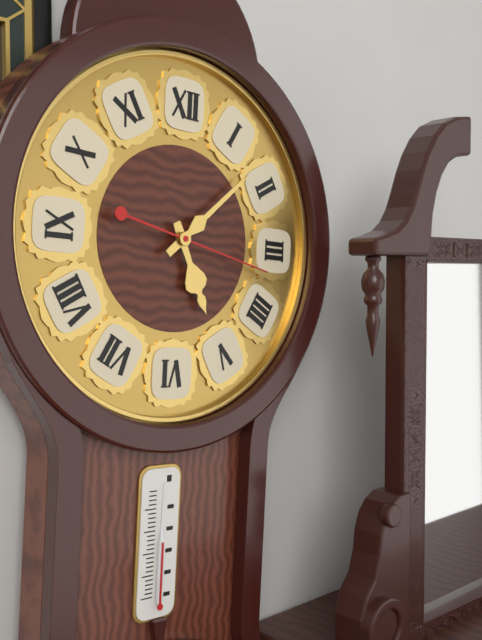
5 h 08 min 17 s
